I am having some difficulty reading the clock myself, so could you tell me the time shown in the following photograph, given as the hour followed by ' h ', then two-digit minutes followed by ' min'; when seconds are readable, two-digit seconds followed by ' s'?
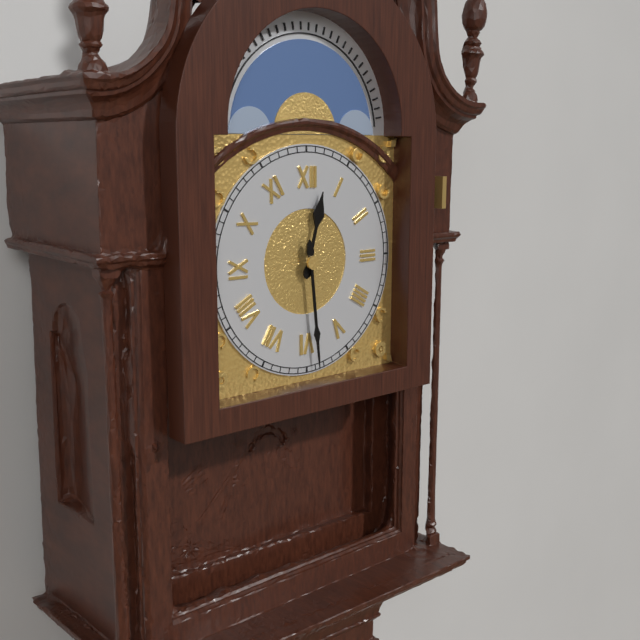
12 h 29 min
